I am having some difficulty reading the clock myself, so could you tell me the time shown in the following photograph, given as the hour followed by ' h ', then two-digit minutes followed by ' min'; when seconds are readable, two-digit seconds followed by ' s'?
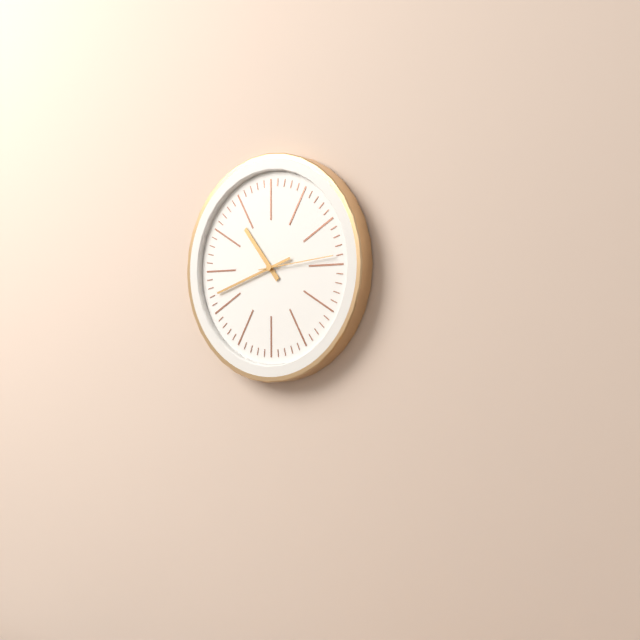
10 h 42 min 14 s
